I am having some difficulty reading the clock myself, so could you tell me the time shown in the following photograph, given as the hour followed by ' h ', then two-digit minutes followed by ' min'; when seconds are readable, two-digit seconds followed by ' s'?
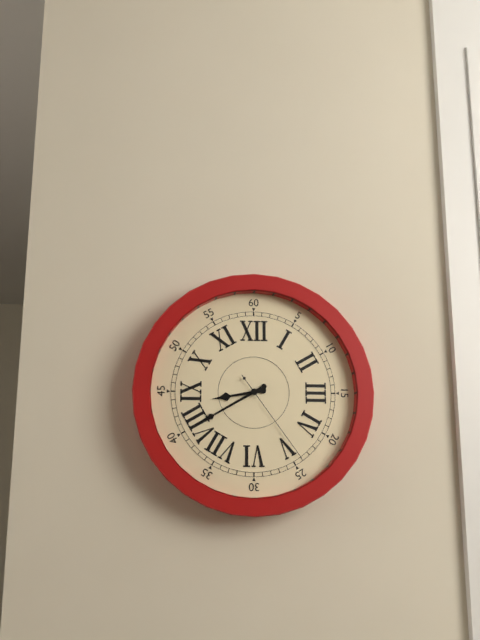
8 h 40 min 24 s
